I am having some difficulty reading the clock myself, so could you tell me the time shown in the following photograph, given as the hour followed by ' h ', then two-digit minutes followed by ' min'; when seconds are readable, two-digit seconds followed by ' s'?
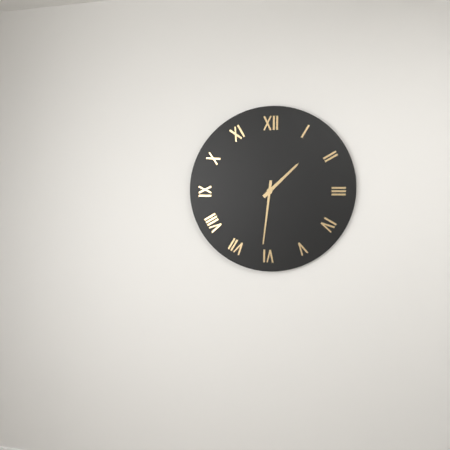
1 h 31 min
